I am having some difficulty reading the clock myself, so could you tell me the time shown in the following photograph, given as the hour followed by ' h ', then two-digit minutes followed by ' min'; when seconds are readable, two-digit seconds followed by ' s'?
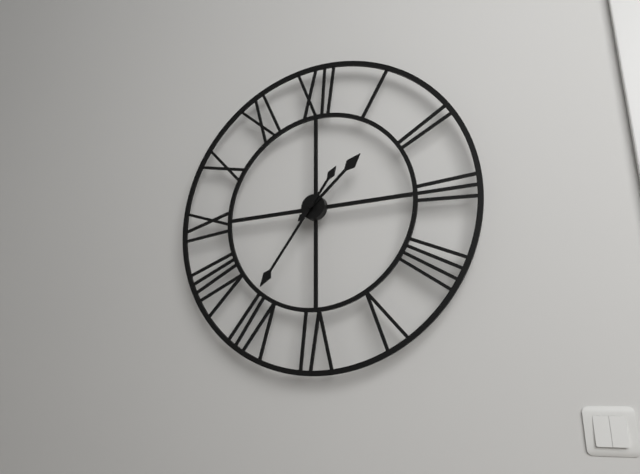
1 h 36 min
